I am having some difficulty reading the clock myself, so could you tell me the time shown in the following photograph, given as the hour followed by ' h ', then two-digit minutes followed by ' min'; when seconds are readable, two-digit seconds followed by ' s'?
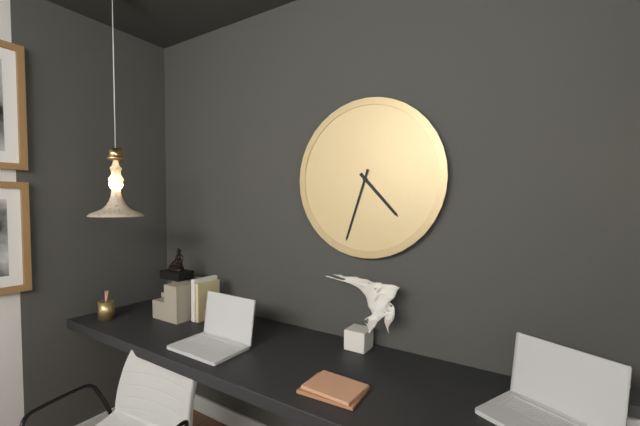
4 h 33 min
